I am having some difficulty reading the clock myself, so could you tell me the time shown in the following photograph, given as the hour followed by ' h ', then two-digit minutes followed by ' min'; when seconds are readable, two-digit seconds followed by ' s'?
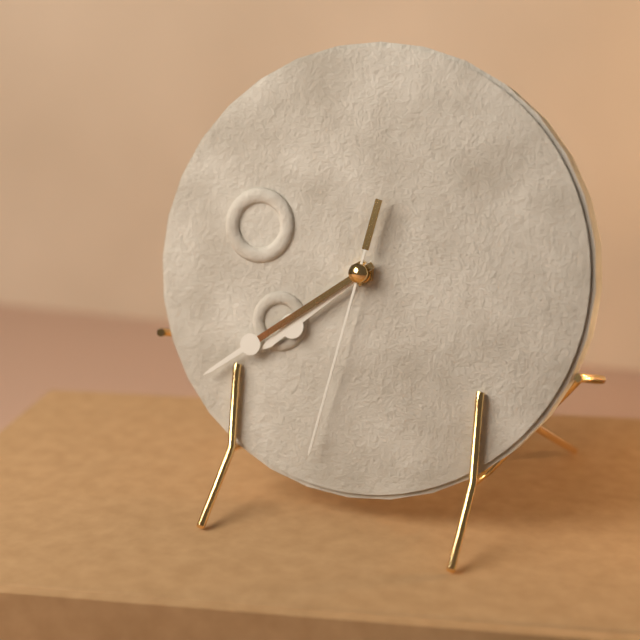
7 h 39 min 32 s
